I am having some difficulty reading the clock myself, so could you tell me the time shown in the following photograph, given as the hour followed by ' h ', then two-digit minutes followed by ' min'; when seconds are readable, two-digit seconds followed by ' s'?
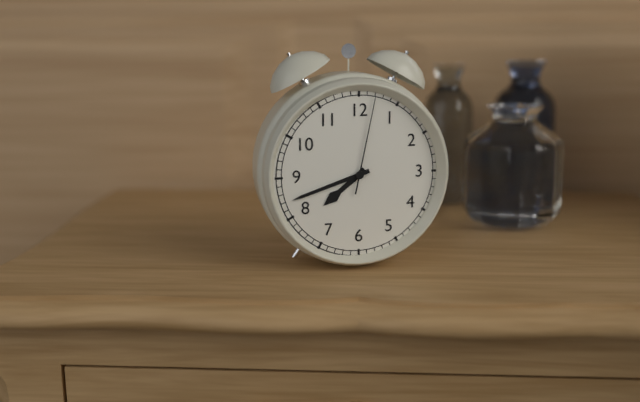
7 h 42 min 02 s
